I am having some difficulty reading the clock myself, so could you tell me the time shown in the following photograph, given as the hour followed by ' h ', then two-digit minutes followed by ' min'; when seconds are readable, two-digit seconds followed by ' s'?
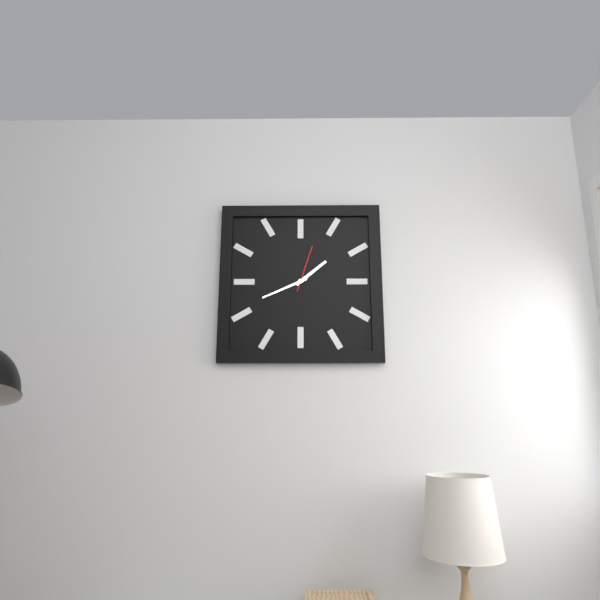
1 h 41 min
